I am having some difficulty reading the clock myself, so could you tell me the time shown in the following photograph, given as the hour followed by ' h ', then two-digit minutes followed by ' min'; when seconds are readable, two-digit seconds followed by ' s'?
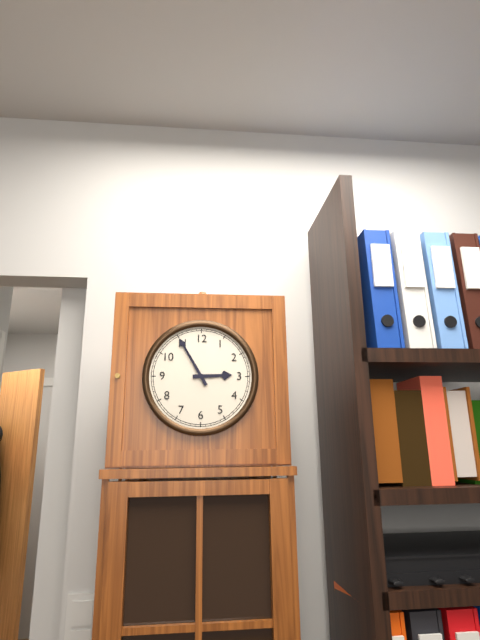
2 h 55 min
